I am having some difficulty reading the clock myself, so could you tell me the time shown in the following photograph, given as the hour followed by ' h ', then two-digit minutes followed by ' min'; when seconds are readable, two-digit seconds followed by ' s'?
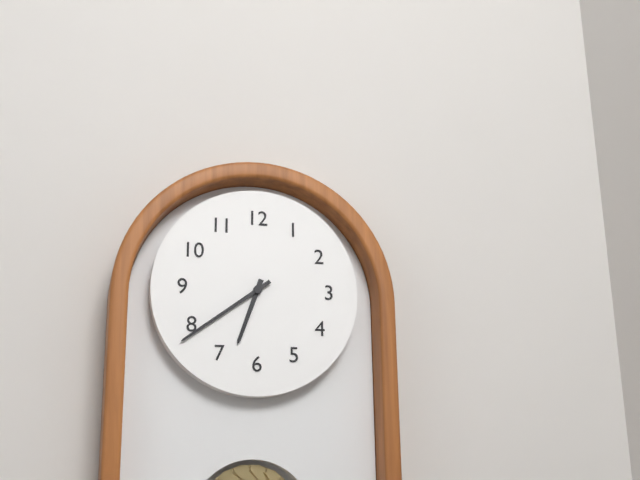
6 h 39 min
